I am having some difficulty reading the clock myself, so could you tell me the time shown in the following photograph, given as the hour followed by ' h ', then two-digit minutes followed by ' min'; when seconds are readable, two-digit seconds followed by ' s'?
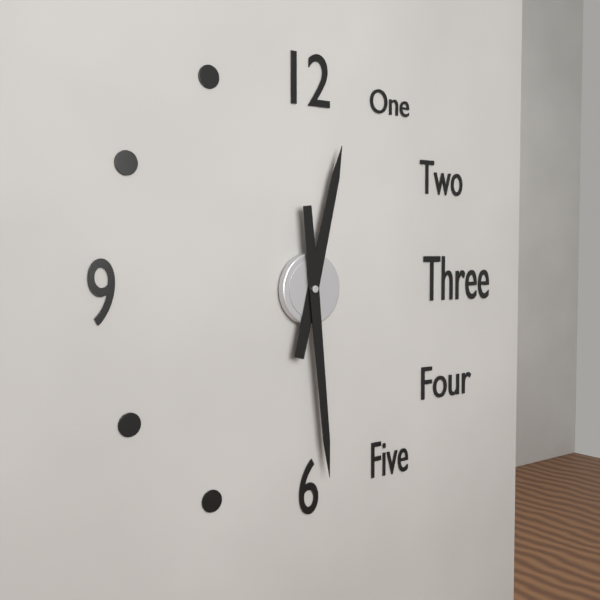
12 h 29 min
